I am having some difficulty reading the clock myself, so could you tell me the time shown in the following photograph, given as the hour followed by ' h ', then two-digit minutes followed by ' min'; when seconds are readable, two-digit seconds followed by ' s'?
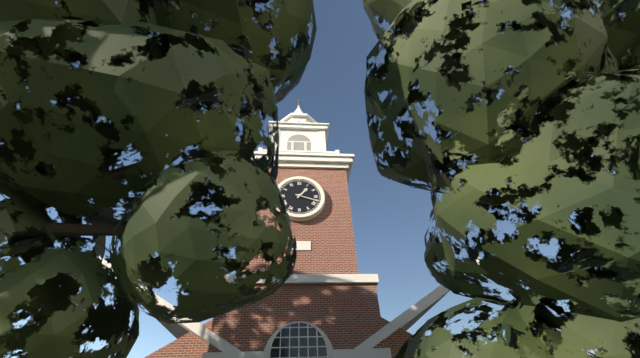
1 h 18 min
